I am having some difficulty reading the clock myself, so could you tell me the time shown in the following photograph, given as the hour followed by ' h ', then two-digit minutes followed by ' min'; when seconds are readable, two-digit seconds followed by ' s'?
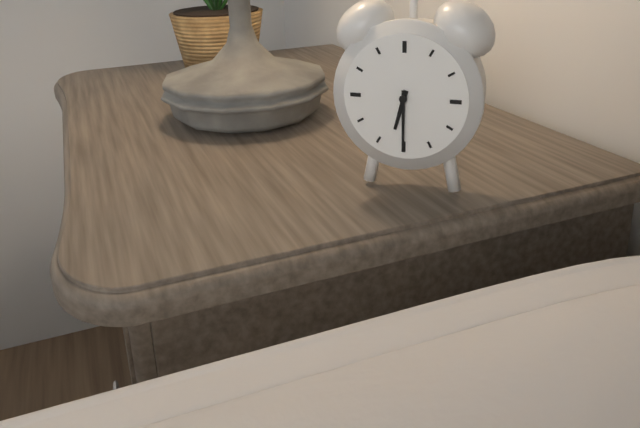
6 h 30 min
